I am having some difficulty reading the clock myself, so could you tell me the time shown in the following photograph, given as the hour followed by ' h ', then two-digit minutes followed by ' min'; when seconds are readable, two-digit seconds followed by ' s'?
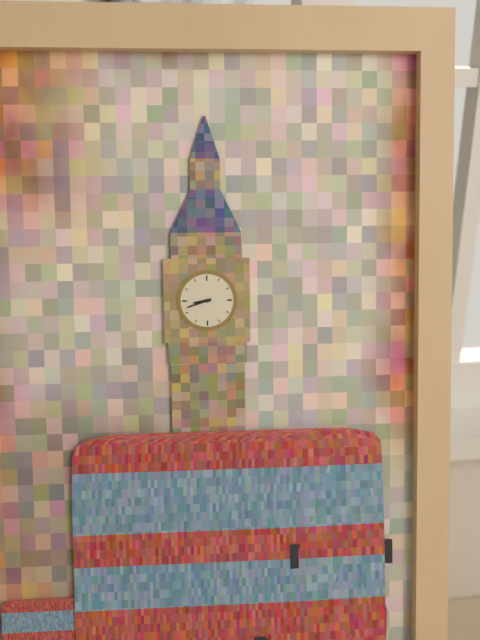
8 h 42 min
